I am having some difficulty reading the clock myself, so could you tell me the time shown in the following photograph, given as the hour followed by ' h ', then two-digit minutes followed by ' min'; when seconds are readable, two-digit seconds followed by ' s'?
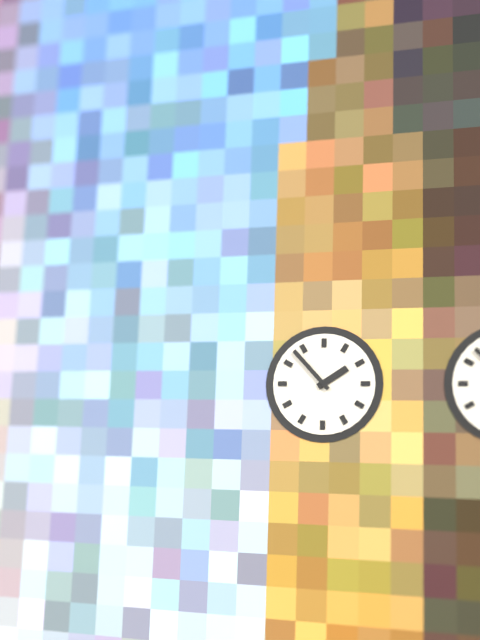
1 h 53 min
